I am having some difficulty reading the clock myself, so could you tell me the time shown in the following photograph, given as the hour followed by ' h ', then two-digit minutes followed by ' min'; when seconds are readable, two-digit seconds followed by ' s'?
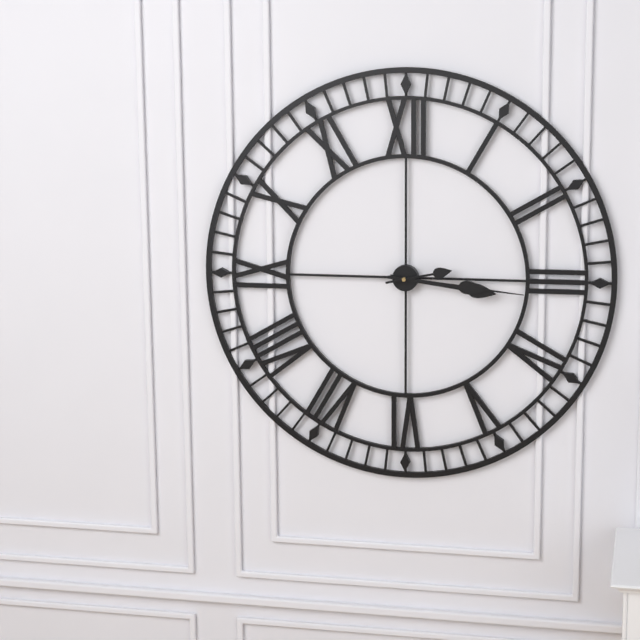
3 h 16 min 13 s
